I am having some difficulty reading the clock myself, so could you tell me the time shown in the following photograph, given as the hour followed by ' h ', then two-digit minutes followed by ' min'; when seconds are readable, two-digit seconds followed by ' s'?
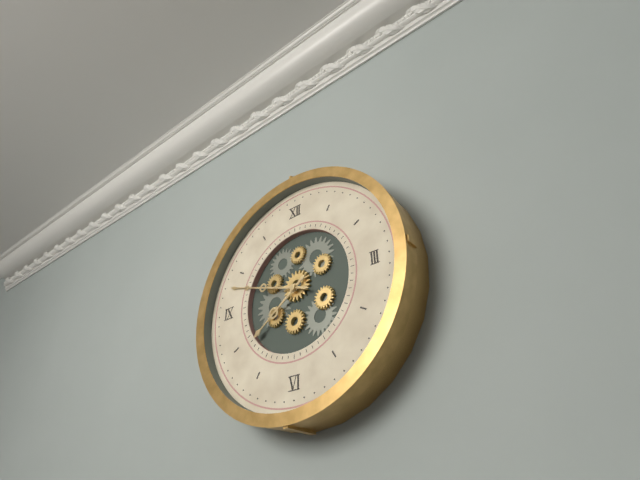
7 h 48 min
